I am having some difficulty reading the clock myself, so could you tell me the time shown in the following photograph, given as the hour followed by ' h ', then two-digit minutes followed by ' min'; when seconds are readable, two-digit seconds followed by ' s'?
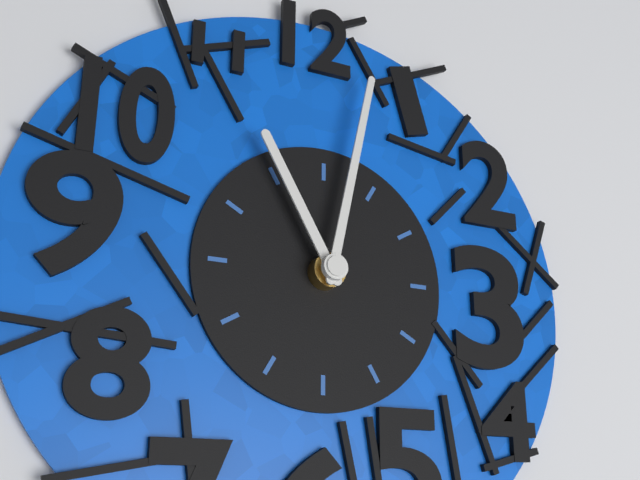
11 h 02 min
